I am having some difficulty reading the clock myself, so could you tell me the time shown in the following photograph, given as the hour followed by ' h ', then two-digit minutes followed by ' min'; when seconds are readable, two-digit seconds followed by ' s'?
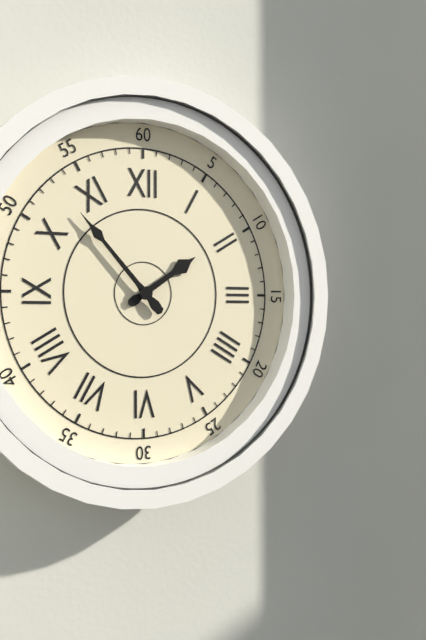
1 h 53 min
